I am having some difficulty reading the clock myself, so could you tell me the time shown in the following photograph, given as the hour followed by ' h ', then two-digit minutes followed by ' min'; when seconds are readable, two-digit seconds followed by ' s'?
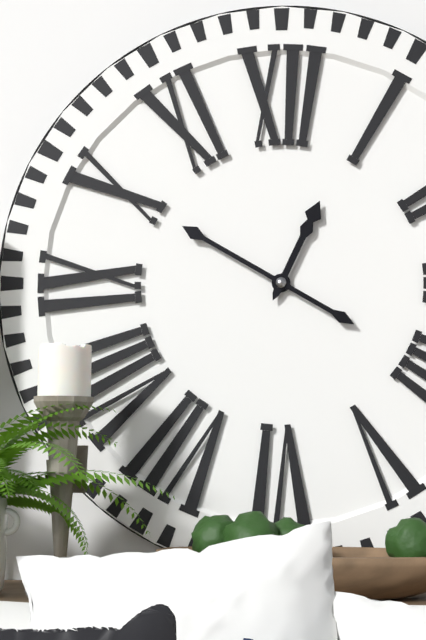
12 h 50 min
